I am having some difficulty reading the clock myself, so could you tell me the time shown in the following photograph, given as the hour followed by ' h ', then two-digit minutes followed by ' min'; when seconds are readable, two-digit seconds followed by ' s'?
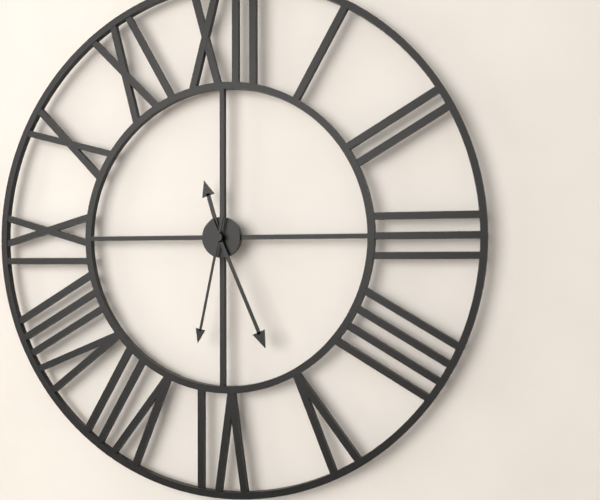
11 h 26 min 32 s
